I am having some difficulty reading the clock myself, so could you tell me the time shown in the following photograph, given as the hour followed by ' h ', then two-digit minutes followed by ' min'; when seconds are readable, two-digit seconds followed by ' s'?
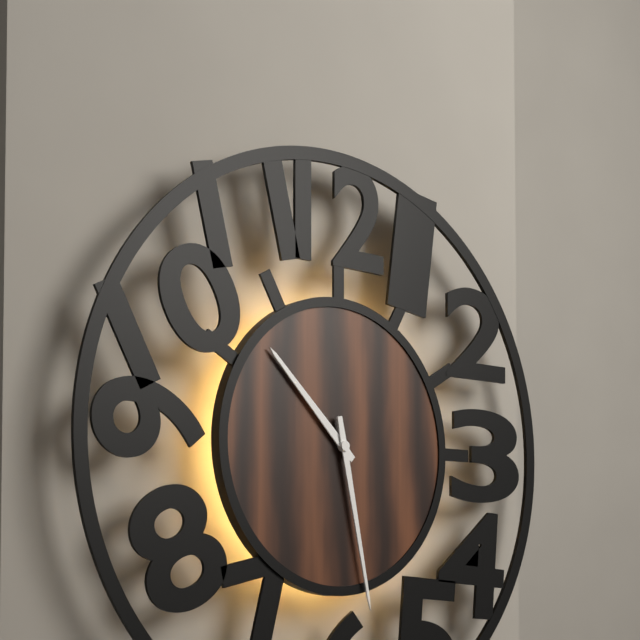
10 h 28 min
